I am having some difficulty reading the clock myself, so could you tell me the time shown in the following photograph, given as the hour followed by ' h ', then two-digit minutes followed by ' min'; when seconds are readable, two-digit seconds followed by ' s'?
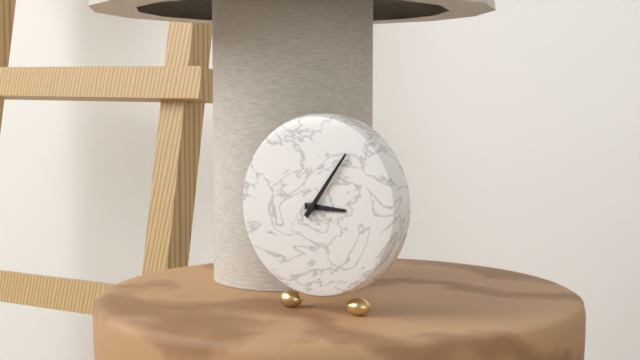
3 h 06 min
